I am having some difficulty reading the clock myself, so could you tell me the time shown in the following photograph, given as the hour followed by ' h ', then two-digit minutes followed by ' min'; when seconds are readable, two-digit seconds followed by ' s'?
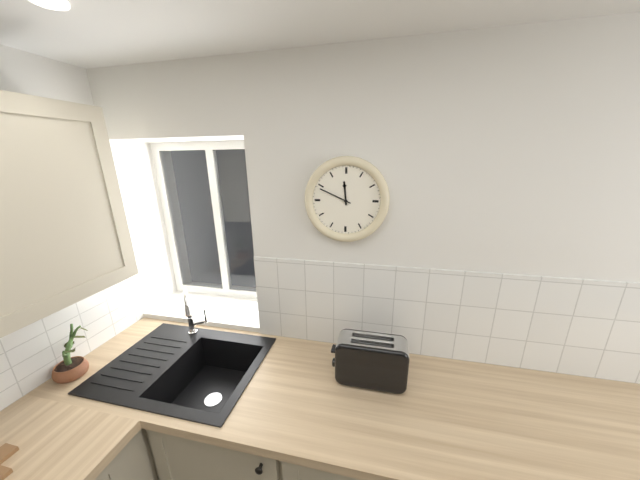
11 h 49 min
